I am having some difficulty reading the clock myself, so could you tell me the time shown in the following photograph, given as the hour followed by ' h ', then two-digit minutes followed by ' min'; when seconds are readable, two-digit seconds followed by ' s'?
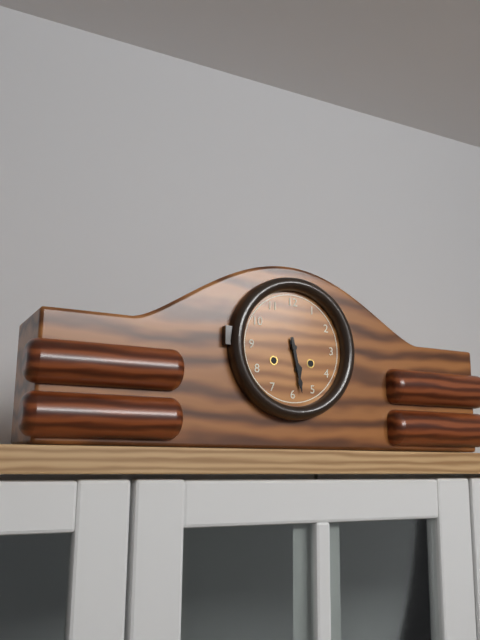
5 h 28 min
